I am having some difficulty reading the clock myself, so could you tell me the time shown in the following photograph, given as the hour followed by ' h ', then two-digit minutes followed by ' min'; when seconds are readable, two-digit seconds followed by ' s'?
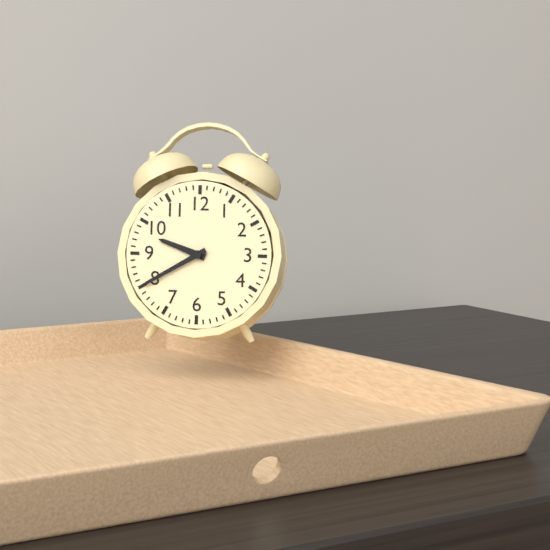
9 h 40 min
